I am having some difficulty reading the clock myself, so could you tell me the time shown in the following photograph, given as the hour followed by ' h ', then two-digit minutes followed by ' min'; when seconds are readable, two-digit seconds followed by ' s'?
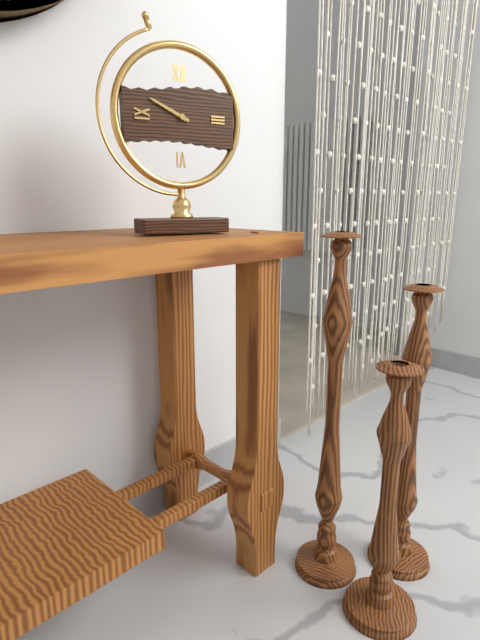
9 h 49 min
